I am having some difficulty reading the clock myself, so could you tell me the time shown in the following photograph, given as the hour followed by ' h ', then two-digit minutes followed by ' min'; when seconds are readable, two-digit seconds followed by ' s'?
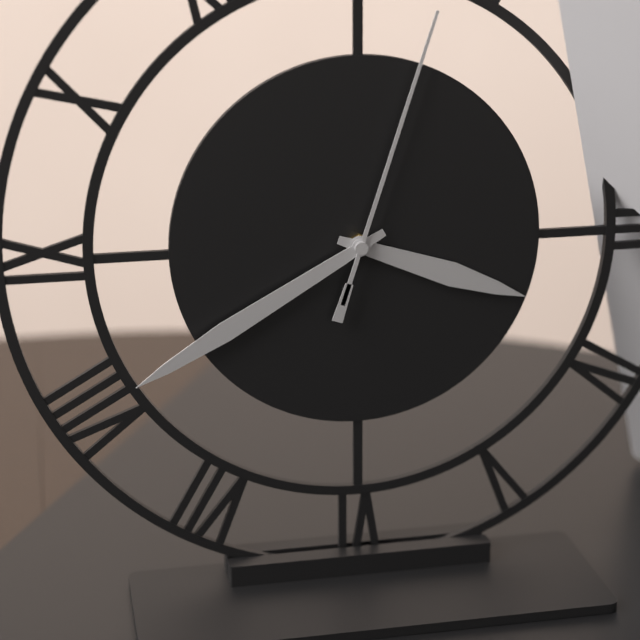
3 h 40 min 03 s
